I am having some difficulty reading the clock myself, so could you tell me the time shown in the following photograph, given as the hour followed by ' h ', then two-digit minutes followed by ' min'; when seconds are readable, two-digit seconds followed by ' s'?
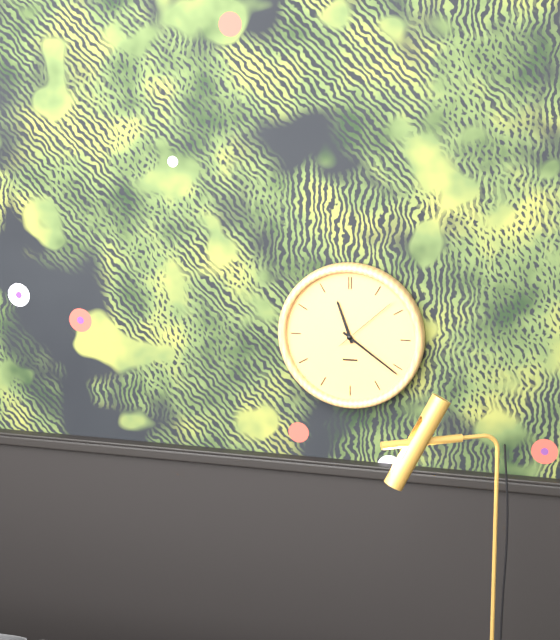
11 h 21 min 08 s
